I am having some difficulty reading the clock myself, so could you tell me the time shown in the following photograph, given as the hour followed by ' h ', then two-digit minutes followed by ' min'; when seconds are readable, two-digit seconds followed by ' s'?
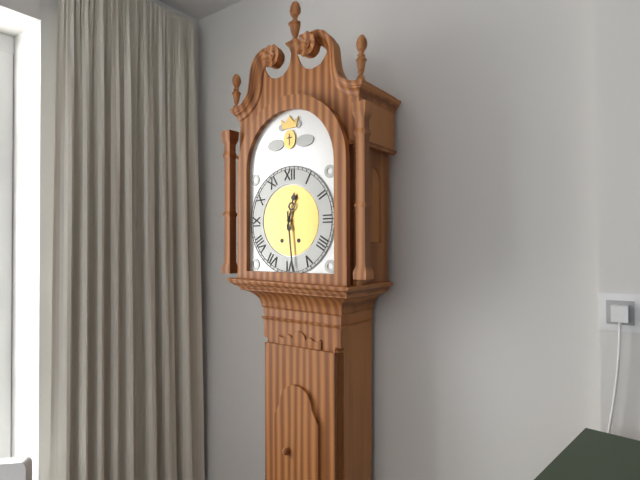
12 h 29 min
